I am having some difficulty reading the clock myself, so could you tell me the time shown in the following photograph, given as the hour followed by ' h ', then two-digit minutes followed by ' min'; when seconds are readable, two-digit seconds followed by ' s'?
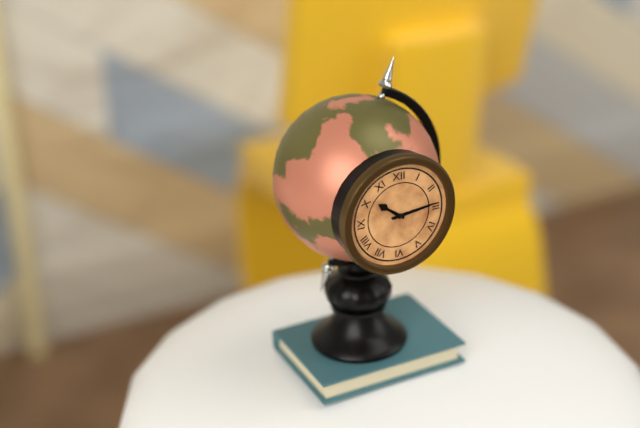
10 h 14 min
